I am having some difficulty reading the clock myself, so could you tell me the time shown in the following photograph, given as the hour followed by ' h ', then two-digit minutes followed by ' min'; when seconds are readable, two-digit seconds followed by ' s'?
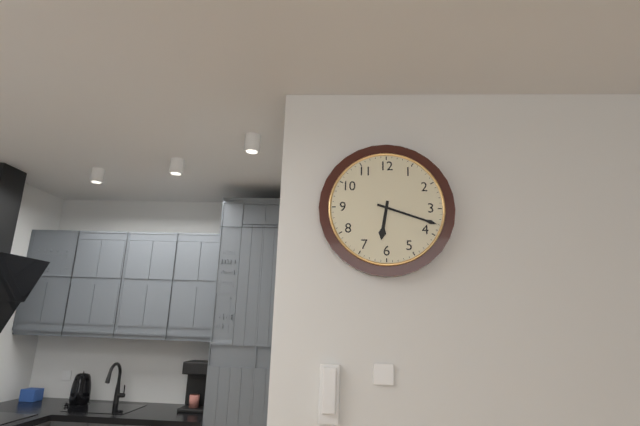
6 h 18 min
